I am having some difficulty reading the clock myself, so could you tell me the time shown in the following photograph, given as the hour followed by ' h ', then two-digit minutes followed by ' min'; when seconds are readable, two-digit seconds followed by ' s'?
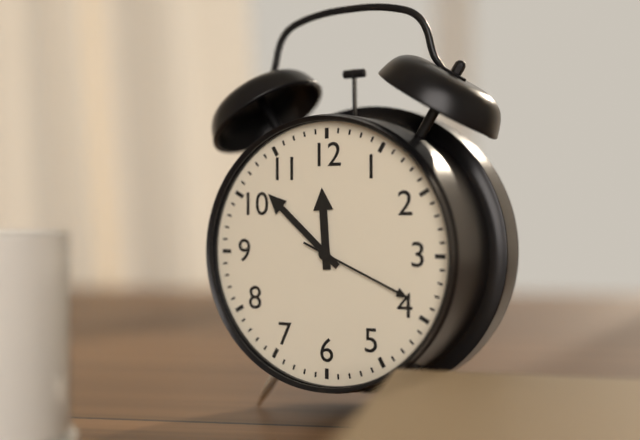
11 h 52 min 19 s
